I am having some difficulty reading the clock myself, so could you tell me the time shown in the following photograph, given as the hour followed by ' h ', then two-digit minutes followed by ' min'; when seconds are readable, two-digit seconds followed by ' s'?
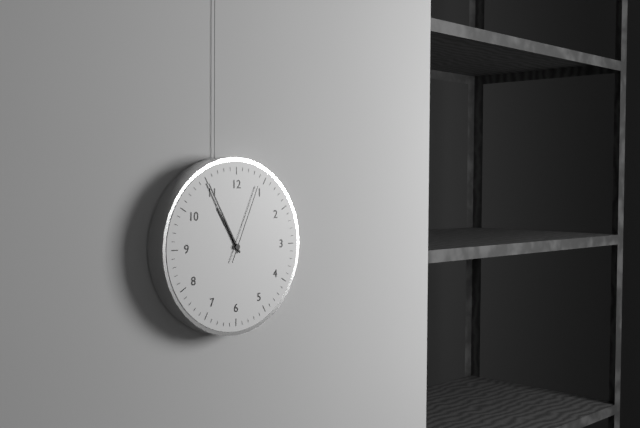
10 h 55 min 04 s
